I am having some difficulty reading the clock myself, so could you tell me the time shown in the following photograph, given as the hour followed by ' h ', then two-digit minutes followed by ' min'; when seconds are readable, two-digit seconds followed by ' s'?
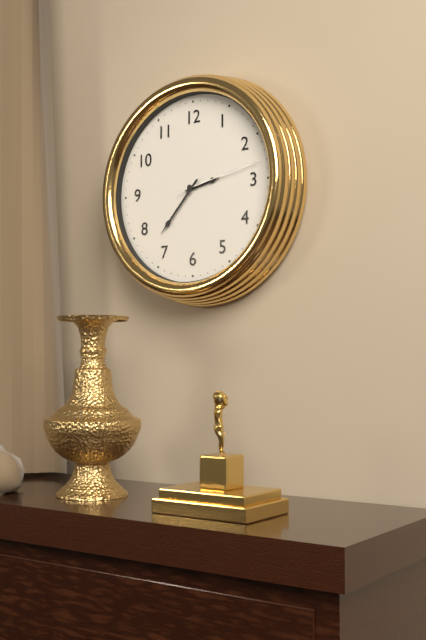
2 h 37 min 13 s
